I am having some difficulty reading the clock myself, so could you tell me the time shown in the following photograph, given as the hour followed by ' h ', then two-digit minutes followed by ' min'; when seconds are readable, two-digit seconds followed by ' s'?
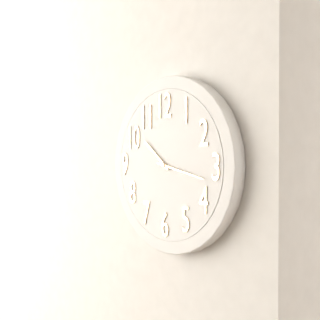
10 h 17 min
